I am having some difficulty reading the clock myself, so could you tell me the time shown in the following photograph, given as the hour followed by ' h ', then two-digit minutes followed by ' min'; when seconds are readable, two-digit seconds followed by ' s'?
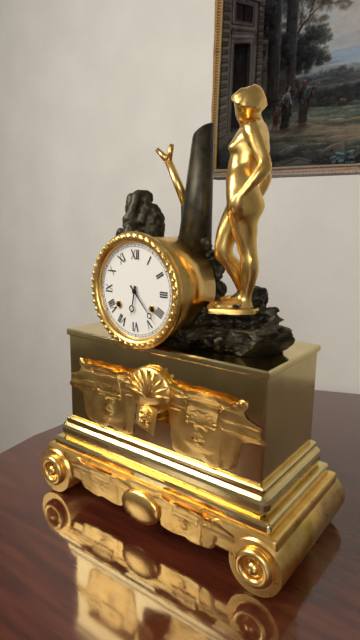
6 h 23 min
